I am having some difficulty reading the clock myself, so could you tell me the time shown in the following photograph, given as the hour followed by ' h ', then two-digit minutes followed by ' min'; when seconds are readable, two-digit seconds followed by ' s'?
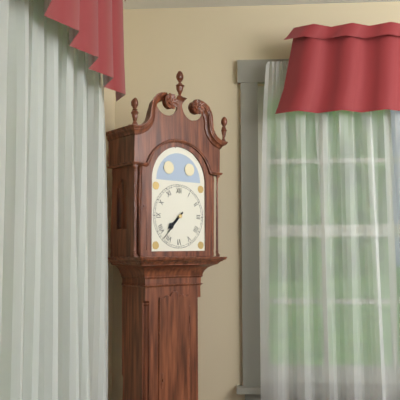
7 h 37 min
